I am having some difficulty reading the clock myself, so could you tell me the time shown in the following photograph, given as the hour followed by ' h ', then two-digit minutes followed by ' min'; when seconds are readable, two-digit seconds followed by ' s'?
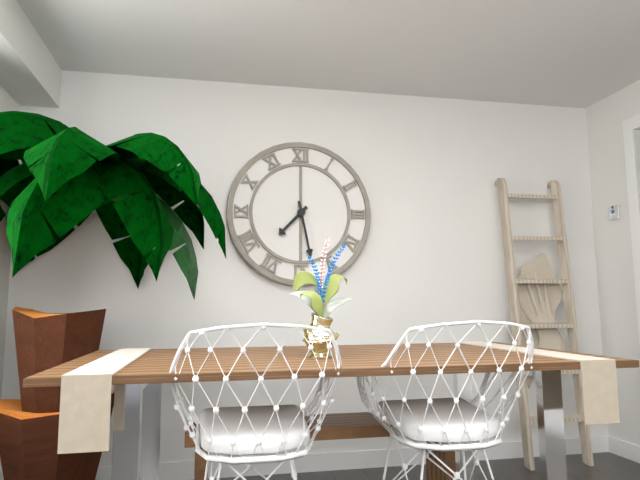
7 h 28 min
